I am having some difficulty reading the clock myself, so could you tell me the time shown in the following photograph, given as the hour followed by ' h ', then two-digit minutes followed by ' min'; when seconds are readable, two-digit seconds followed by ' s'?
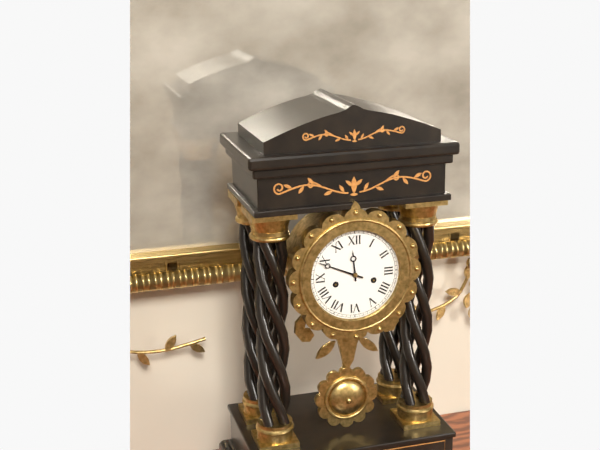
11 h 49 min
